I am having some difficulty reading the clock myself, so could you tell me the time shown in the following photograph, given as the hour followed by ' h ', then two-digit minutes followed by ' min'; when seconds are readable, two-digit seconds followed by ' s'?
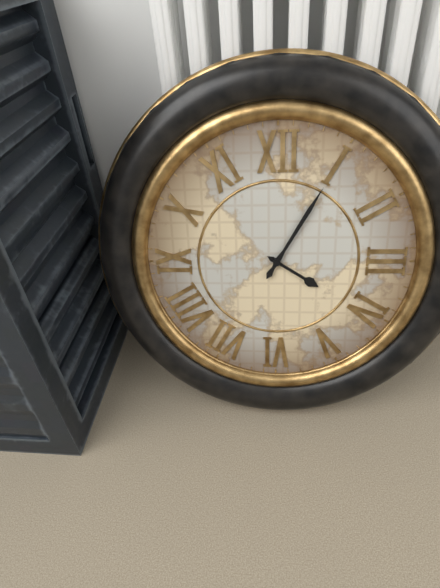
4 h 05 min
